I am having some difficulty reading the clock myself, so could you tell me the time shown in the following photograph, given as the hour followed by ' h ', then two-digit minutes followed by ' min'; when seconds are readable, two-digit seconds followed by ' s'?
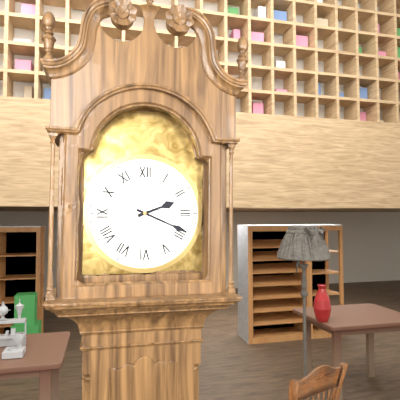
2 h 19 min
